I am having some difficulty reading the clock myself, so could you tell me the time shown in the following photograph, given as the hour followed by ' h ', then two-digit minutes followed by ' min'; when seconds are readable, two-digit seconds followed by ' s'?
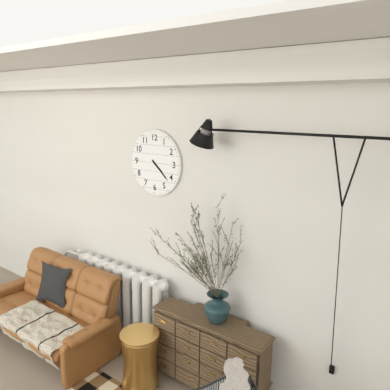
4 h 22 min
